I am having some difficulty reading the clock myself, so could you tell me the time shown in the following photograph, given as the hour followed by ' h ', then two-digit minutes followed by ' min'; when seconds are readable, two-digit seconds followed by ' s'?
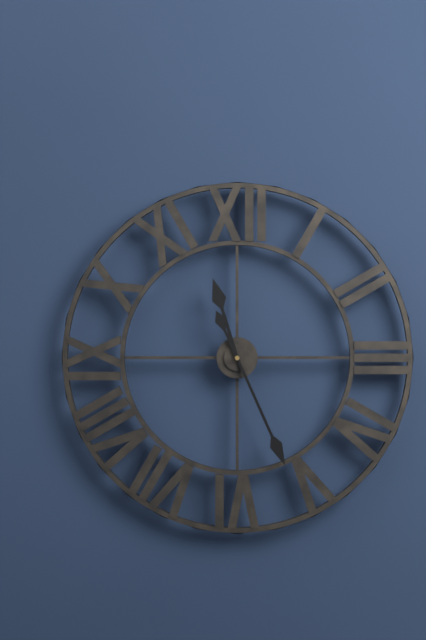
11 h 26 min
